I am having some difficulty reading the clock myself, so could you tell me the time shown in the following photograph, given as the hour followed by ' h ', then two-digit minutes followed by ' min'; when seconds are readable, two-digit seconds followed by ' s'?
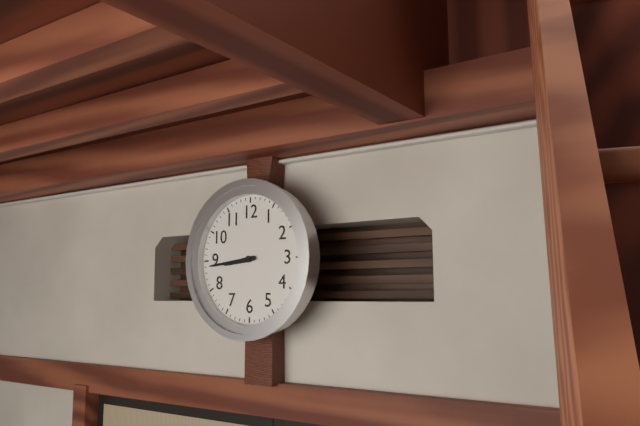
8 h 44 min
